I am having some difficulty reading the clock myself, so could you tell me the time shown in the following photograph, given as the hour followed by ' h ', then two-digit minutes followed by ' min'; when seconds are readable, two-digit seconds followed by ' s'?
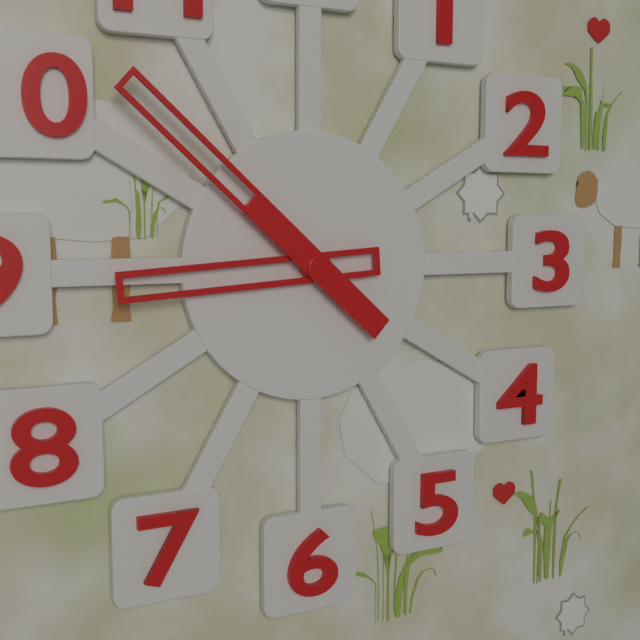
8 h 52 min
